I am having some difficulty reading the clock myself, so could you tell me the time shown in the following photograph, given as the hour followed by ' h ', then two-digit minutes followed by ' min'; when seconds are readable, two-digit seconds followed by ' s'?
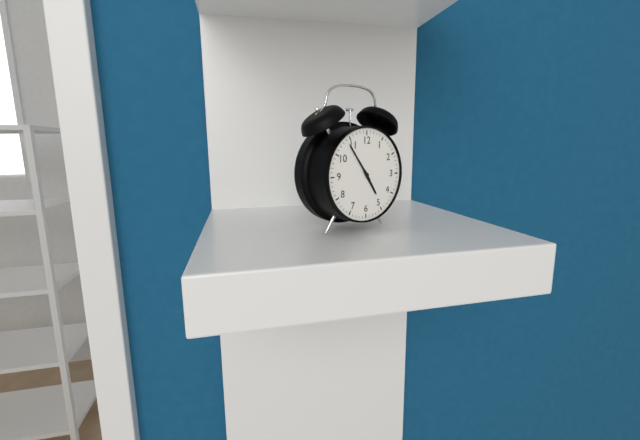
4 h 54 min
